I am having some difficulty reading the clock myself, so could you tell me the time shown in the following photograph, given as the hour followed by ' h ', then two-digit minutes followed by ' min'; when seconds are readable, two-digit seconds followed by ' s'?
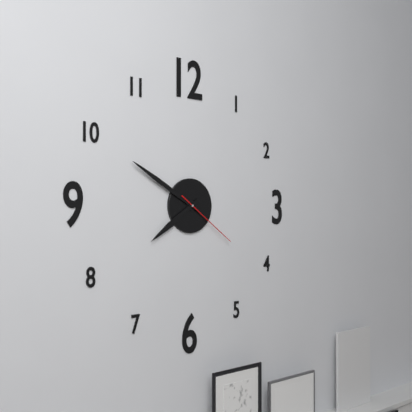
7 h 50 min 21 s
